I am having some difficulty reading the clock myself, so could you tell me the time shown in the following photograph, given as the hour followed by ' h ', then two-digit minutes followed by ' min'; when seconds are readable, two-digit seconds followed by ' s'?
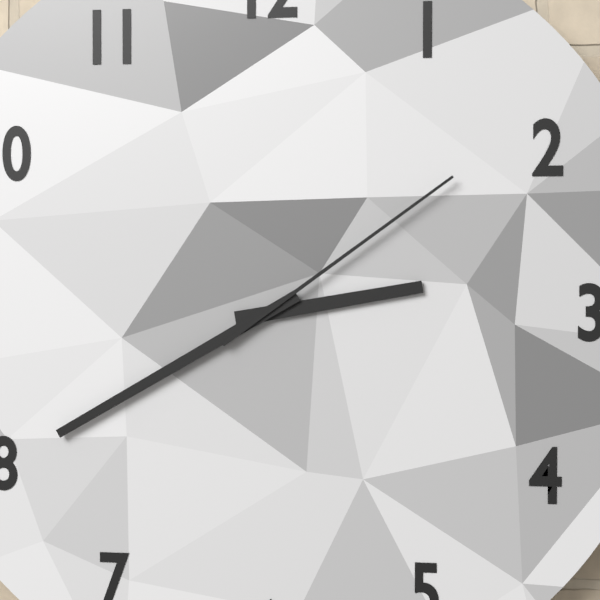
2 h 40 min 09 s
